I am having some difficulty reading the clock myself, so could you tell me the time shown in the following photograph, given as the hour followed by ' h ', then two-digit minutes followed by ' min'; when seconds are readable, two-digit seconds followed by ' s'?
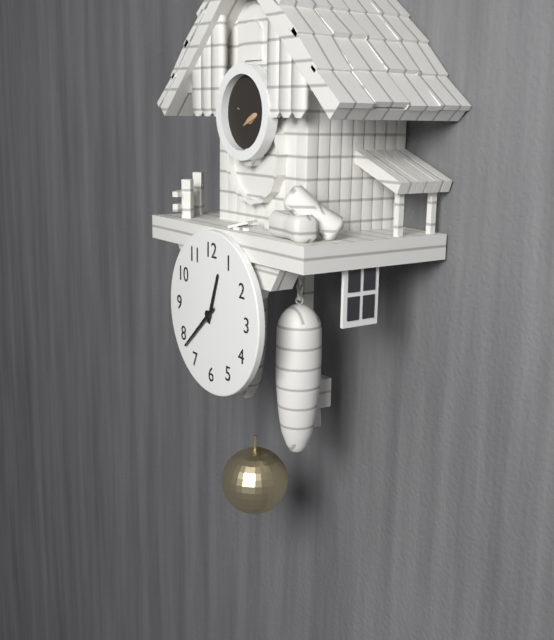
12 h 38 min
